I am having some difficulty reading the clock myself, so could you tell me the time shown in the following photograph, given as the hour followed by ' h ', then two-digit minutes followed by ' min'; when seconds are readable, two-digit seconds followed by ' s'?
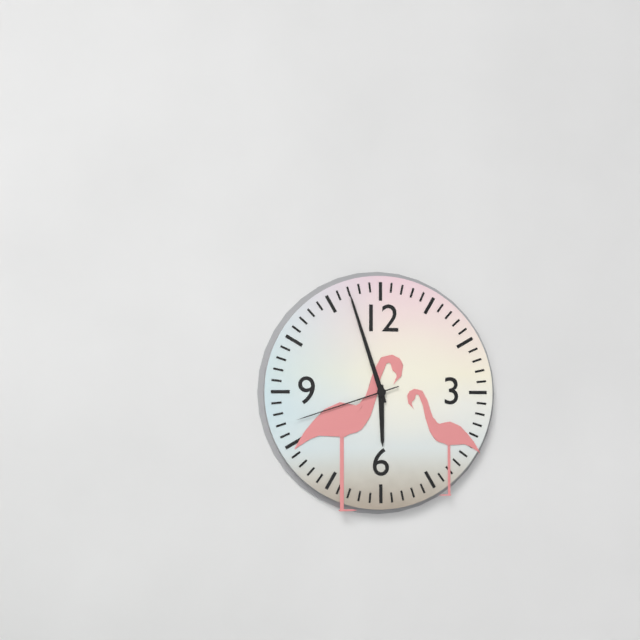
5 h 57 min 42 s
